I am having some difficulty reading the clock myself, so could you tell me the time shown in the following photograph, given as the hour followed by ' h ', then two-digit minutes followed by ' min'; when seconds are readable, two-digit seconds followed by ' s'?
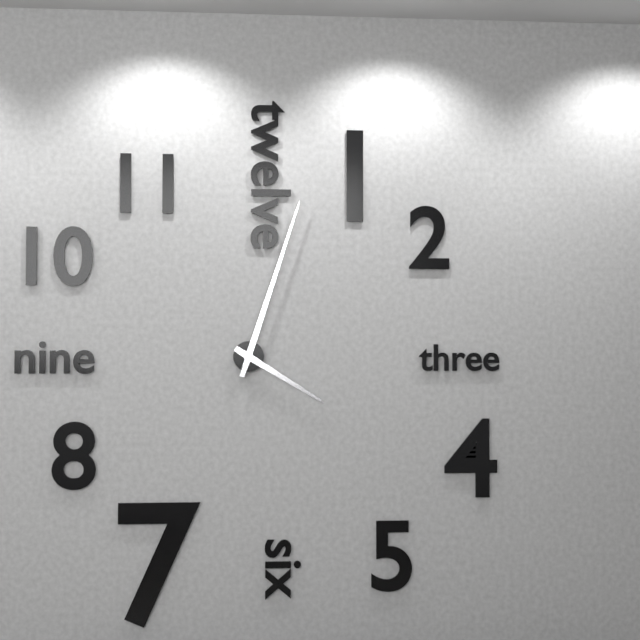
4 h 03 min
